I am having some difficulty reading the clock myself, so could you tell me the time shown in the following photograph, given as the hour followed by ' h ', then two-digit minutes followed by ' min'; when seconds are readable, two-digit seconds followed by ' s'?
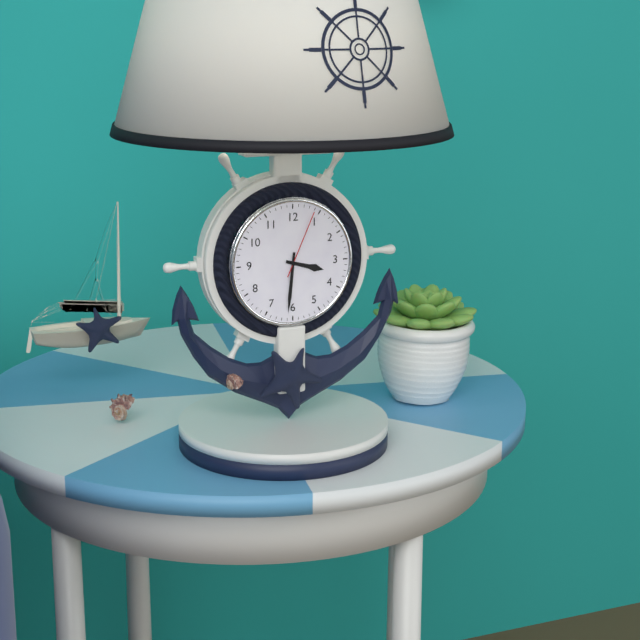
3 h 31 min 04 s
